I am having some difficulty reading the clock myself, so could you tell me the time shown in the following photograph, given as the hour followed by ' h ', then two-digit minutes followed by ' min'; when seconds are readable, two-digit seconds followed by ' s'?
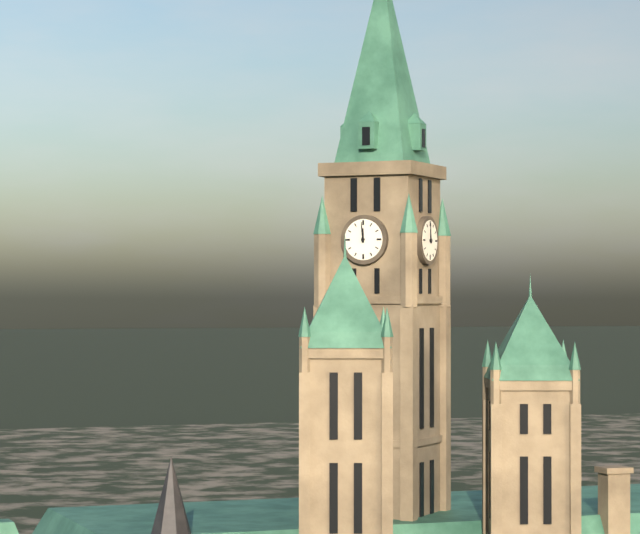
11 h 59 min
